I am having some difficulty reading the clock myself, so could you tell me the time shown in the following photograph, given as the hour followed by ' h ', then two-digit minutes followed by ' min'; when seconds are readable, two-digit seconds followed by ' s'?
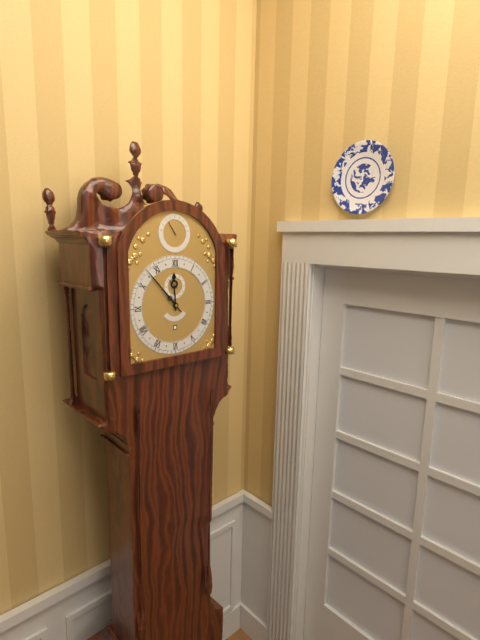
11 h 53 min
